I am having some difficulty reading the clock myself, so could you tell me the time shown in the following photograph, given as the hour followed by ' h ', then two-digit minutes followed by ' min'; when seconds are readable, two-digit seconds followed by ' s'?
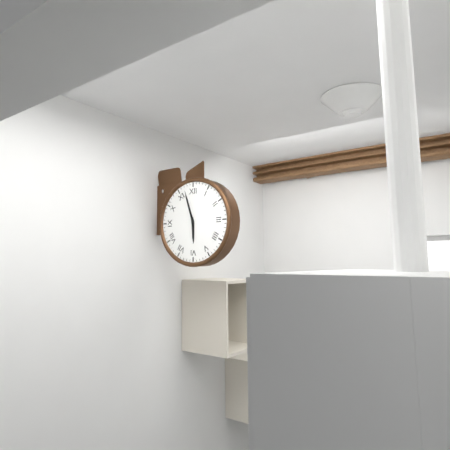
5 h 57 min
